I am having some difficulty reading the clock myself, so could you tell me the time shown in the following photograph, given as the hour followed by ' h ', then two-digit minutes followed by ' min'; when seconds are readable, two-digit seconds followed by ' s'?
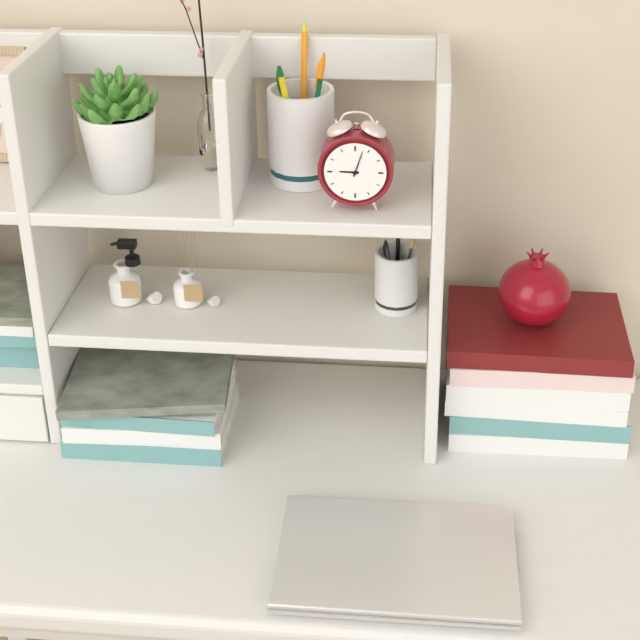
9 h 03 min
